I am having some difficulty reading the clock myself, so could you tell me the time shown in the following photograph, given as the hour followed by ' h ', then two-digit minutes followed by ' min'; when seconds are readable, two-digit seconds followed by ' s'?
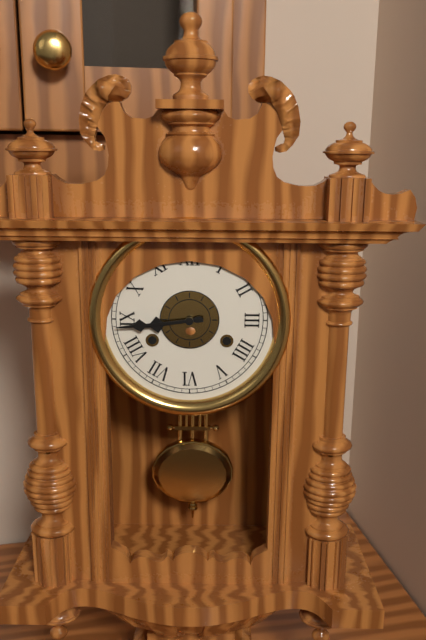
8 h 44 min
